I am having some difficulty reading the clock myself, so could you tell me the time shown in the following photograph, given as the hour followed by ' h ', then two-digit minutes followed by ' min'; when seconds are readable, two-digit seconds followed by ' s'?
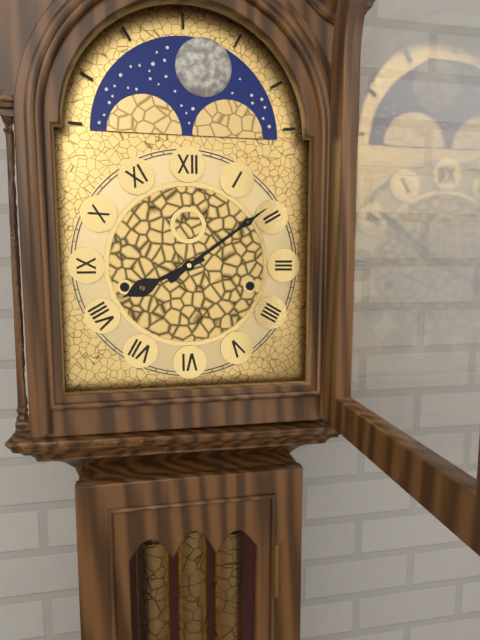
8 h 09 min
